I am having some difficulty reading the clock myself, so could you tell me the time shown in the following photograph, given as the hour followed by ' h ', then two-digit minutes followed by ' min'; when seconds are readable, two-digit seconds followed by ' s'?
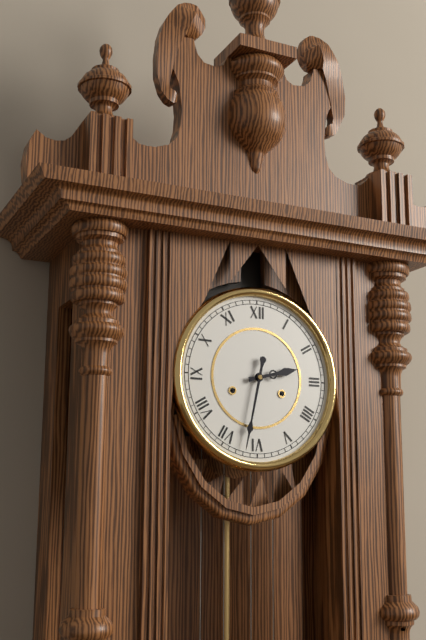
2 h 32 min
